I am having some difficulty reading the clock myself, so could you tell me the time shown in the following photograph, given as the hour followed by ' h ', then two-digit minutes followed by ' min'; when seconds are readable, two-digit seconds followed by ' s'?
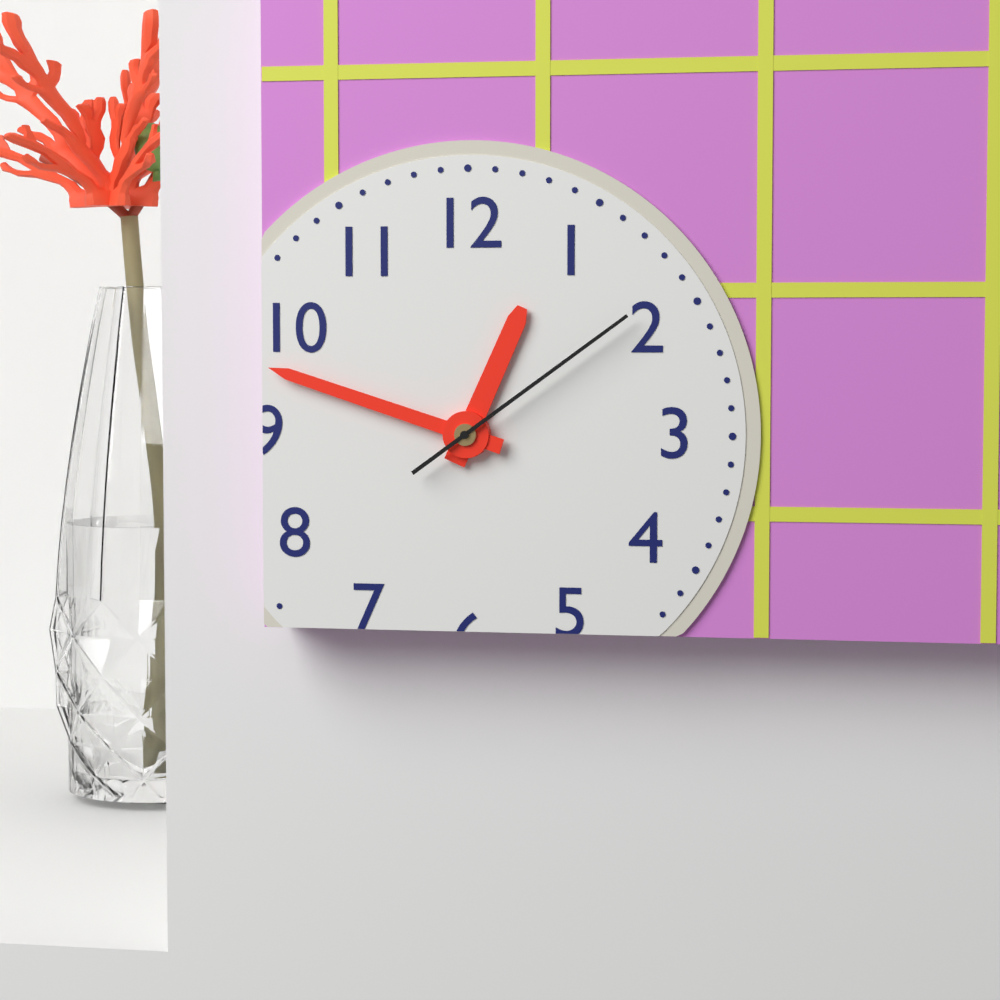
12 h 48 min 09 s
